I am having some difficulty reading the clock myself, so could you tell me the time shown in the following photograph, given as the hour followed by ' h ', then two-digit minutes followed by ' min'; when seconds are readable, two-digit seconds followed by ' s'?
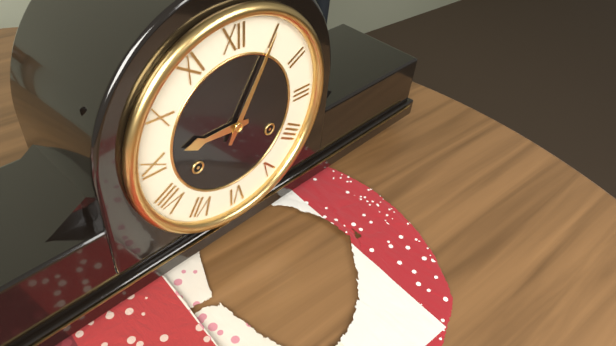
9 h 05 min
